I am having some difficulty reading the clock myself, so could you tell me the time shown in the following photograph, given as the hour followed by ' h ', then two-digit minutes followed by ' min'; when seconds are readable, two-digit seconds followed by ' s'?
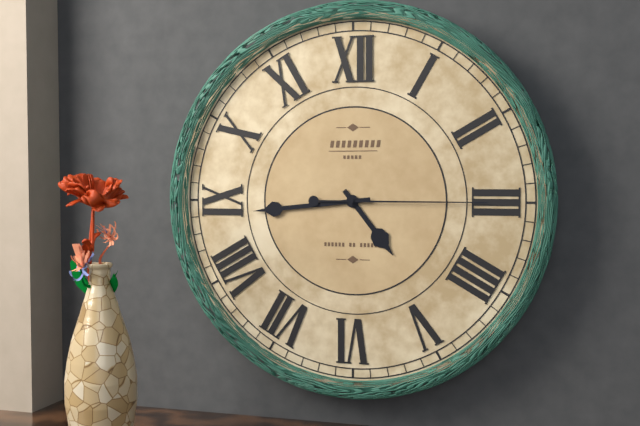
4 h 44 min 15 s
